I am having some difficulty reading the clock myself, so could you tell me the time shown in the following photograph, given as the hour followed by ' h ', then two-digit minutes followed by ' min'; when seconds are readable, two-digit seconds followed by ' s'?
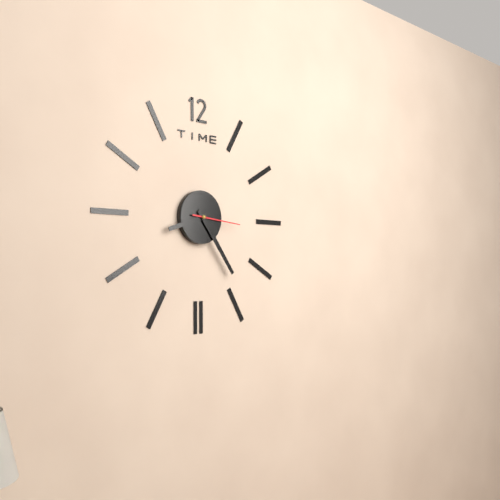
8 h 24 min
